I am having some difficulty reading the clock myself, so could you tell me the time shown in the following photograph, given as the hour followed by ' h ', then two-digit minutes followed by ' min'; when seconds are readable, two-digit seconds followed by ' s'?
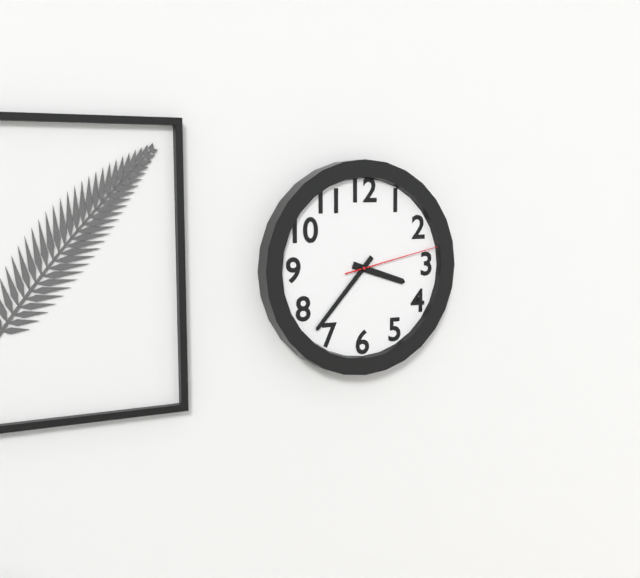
3 h 37 min 13 s
